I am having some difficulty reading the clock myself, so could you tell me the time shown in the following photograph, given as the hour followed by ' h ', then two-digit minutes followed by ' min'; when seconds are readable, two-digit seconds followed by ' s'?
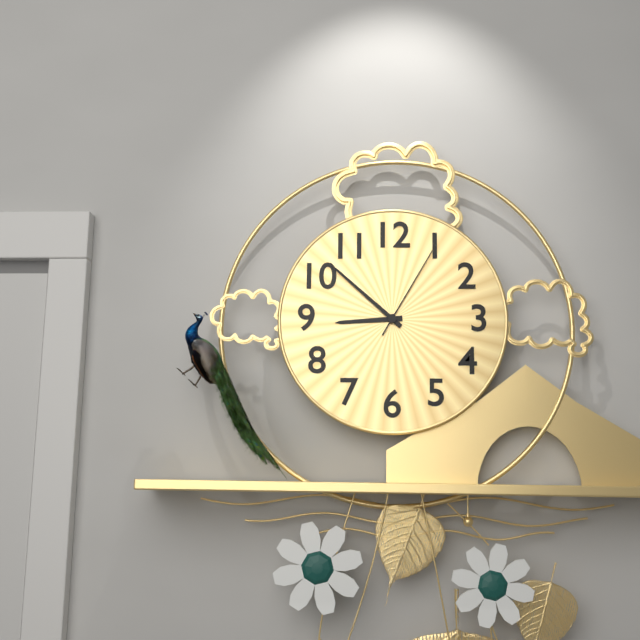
8 h 52 min 05 s
